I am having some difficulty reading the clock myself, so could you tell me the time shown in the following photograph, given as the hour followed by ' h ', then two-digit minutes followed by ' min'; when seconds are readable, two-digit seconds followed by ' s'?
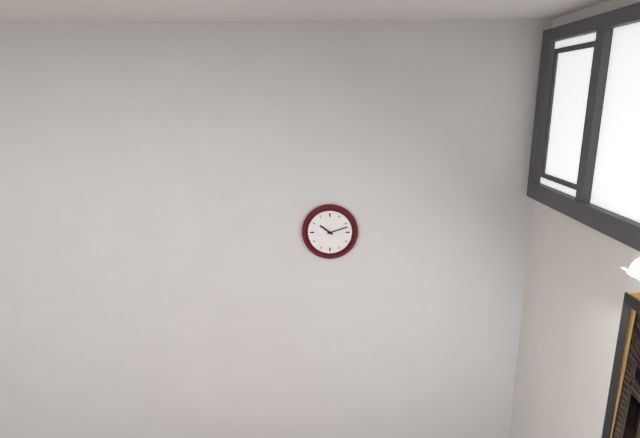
10 h 12 min
